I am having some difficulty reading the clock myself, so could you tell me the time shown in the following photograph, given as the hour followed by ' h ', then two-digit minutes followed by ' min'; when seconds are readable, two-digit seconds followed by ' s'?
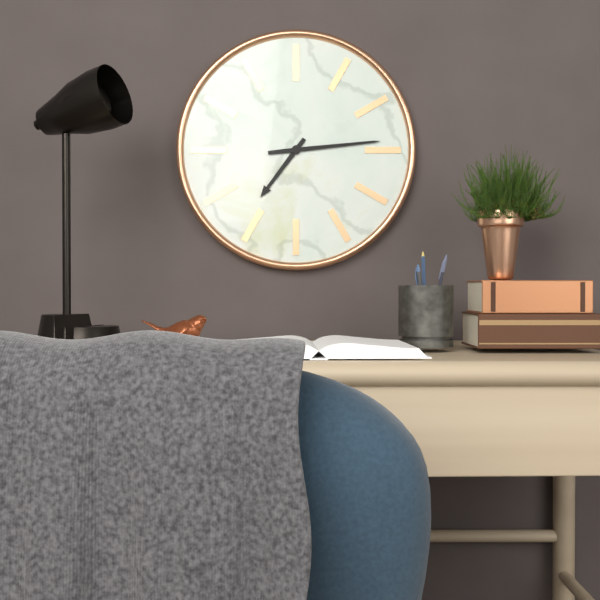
7 h 14 min
